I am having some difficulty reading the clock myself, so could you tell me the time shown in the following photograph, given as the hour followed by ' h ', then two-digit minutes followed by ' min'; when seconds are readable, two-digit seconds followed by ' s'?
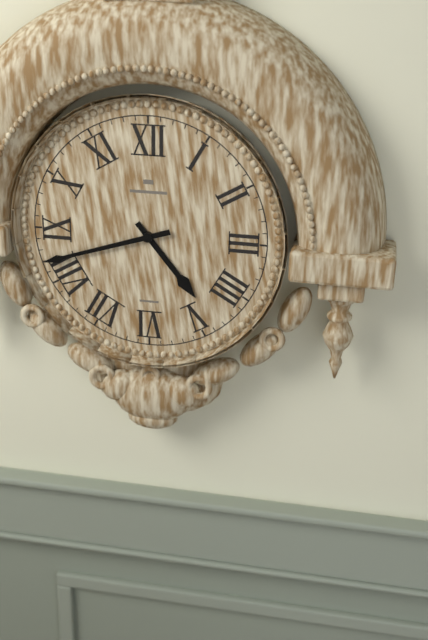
4 h 42 min
